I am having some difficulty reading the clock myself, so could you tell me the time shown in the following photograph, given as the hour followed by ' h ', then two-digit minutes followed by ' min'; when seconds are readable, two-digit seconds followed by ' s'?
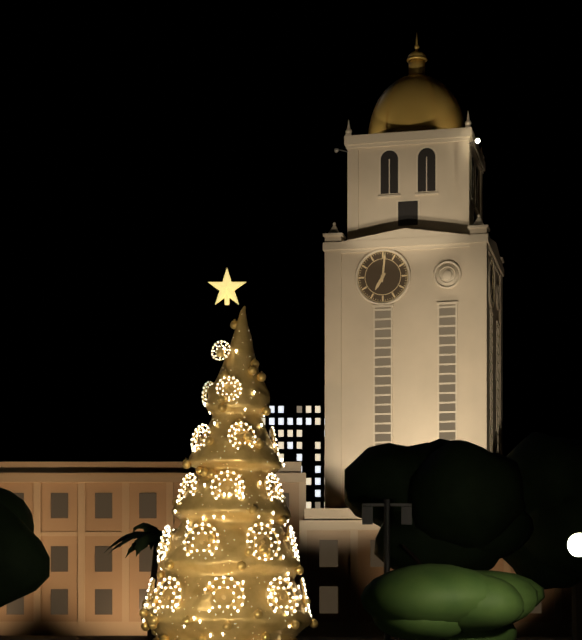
7 h 01 min
